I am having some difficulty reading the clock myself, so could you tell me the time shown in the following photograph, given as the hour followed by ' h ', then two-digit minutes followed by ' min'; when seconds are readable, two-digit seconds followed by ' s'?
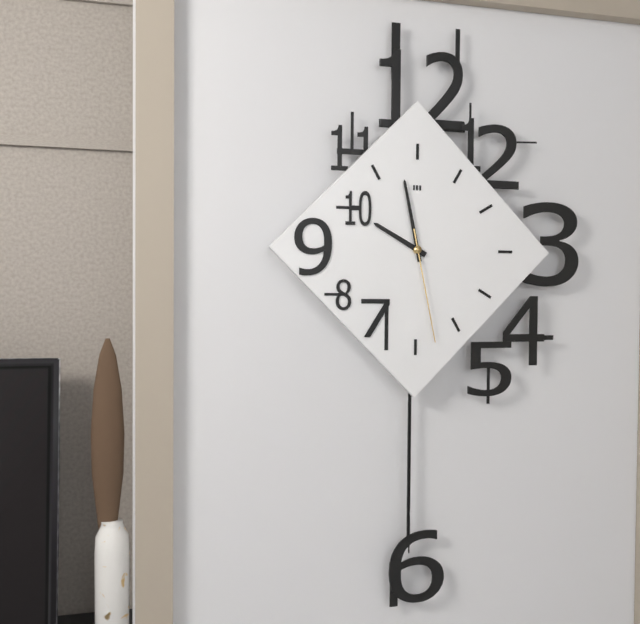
9 h 58 min 28 s
